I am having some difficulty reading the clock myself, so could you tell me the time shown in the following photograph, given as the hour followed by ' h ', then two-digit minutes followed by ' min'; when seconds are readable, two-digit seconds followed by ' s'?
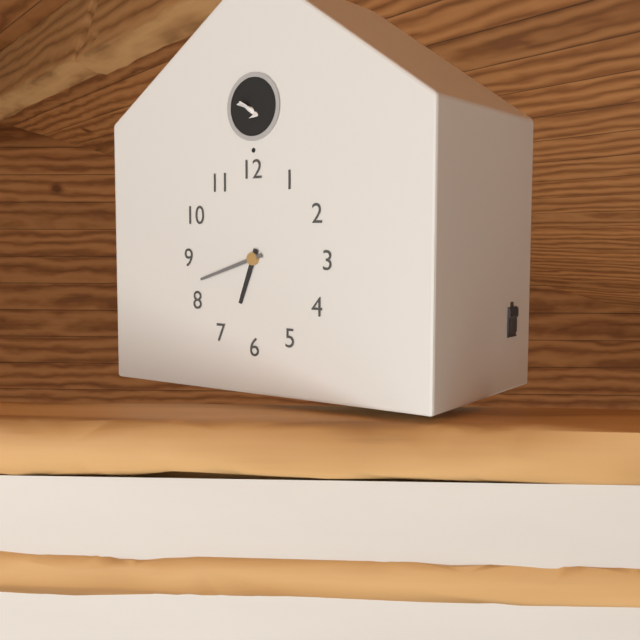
6 h 42 min
